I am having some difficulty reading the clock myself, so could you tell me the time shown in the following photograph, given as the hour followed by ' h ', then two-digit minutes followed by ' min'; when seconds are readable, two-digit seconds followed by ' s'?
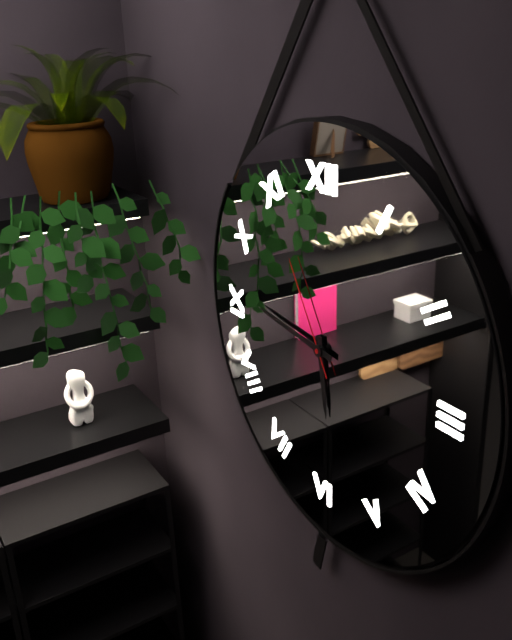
5 h 46 min 55 s
